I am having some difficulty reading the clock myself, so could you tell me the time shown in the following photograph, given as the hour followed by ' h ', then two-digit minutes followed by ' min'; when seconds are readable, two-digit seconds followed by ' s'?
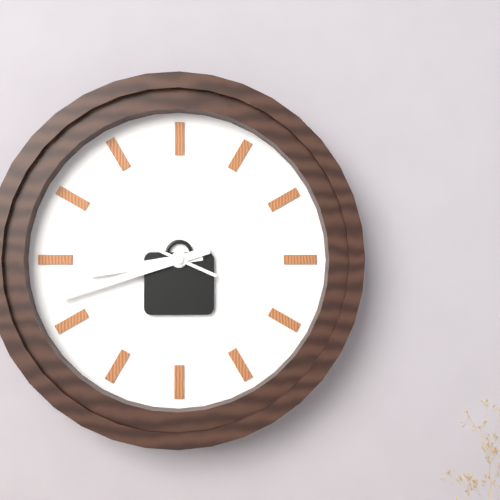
8 h 42 min 49 s
